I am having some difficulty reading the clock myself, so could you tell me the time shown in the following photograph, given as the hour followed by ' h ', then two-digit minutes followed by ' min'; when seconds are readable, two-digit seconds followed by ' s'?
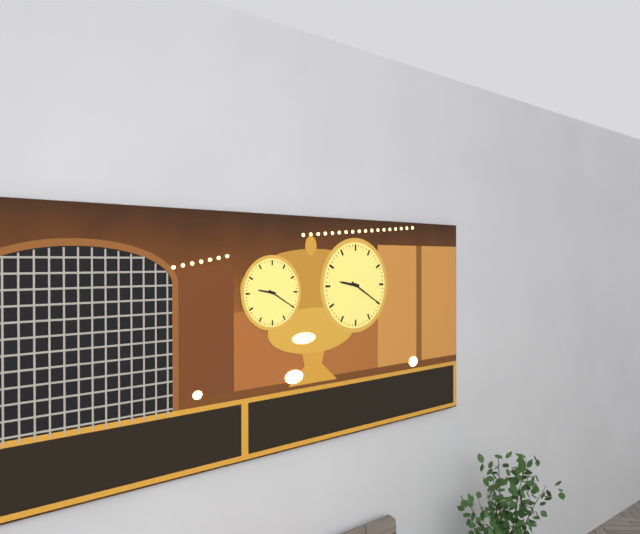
9 h 20 min
